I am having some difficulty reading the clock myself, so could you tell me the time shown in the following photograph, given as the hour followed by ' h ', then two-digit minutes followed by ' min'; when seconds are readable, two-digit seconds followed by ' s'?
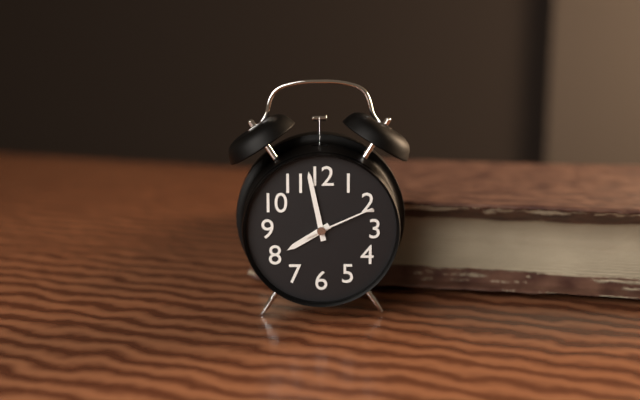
7 h 58 min 11 s
